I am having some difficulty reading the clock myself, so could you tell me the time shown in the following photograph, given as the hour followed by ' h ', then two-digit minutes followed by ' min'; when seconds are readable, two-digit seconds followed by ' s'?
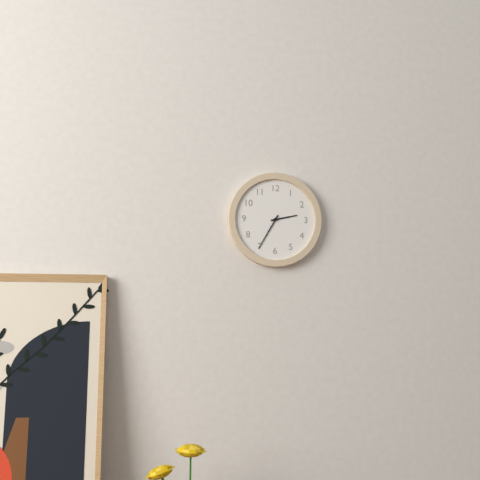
2 h 35 min
